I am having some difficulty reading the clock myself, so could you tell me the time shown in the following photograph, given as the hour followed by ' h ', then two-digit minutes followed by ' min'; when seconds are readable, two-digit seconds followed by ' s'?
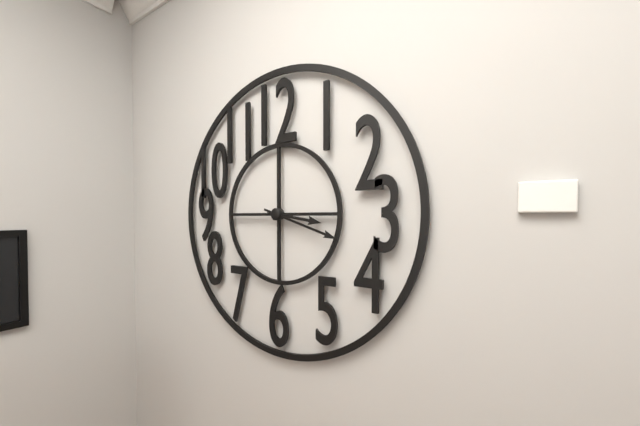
3 h 18 min
